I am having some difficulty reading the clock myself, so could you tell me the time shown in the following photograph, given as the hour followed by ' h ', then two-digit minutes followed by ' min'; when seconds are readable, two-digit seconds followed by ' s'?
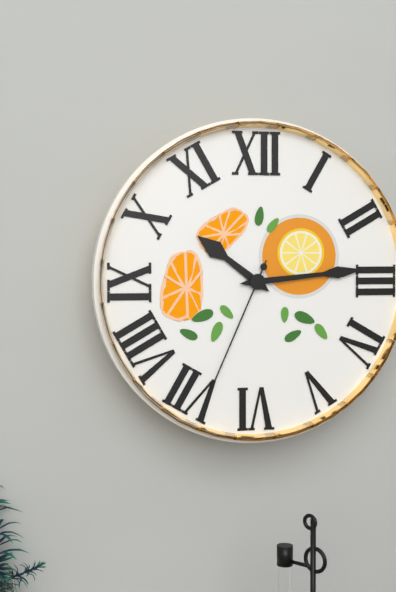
10 h 14 min 34 s
